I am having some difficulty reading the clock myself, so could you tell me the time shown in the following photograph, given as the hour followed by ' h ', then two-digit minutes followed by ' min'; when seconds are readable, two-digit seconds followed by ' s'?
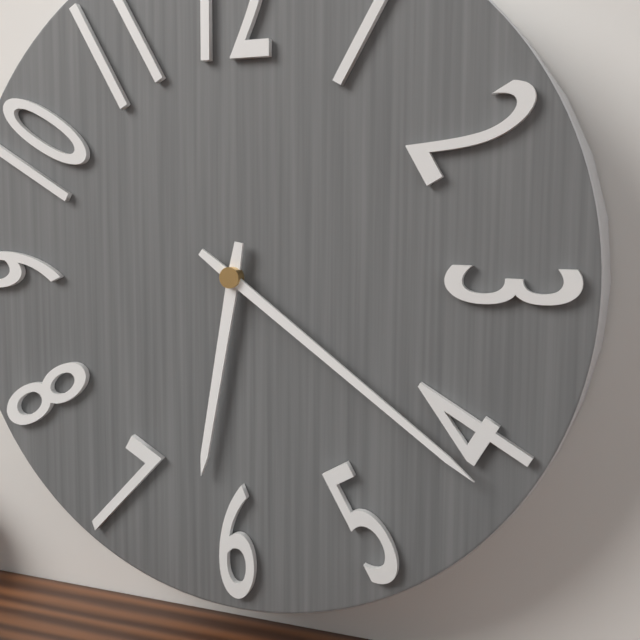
6 h 21 min
